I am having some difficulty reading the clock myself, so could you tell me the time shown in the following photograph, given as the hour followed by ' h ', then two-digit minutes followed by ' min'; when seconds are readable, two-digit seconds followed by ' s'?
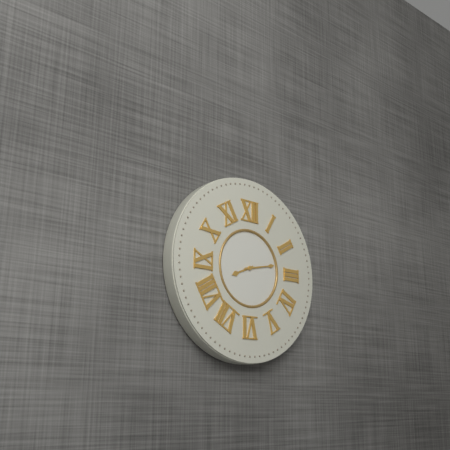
8 h 13 min
